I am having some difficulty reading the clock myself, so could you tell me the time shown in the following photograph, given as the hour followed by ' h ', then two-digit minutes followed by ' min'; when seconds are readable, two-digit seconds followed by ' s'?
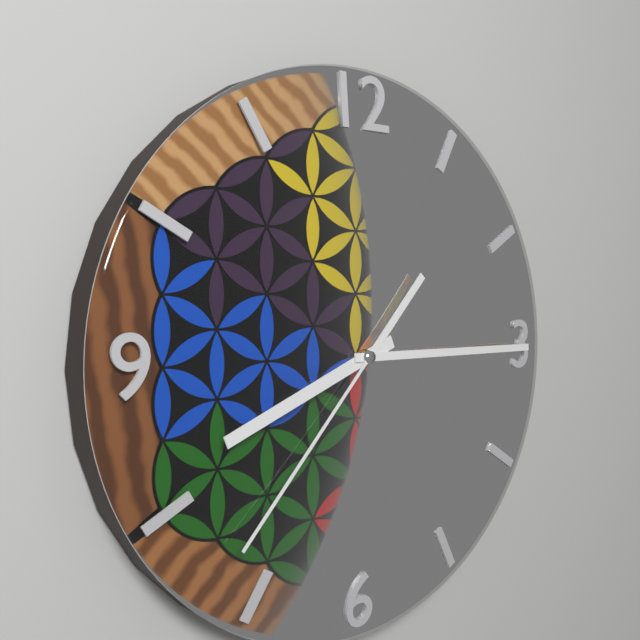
8 h 15 min 37 s
